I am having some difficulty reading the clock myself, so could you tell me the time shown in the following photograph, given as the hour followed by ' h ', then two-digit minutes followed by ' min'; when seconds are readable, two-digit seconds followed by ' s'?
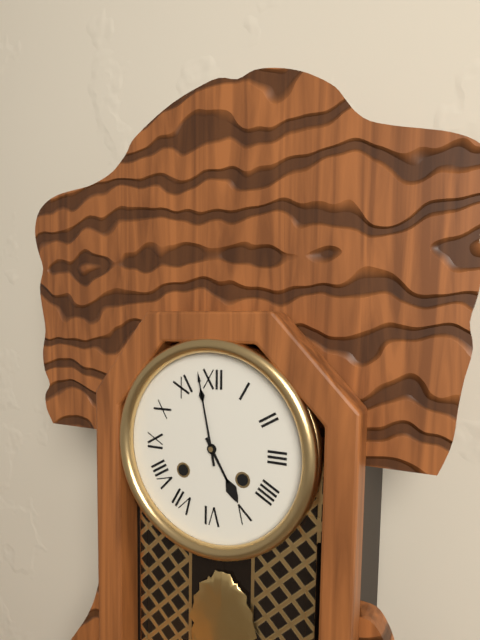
4 h 58 min
